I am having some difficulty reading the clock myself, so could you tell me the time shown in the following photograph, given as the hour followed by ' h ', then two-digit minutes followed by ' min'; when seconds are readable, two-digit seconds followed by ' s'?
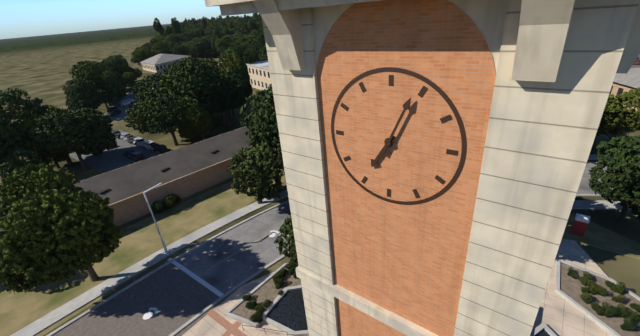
7 h 04 min
